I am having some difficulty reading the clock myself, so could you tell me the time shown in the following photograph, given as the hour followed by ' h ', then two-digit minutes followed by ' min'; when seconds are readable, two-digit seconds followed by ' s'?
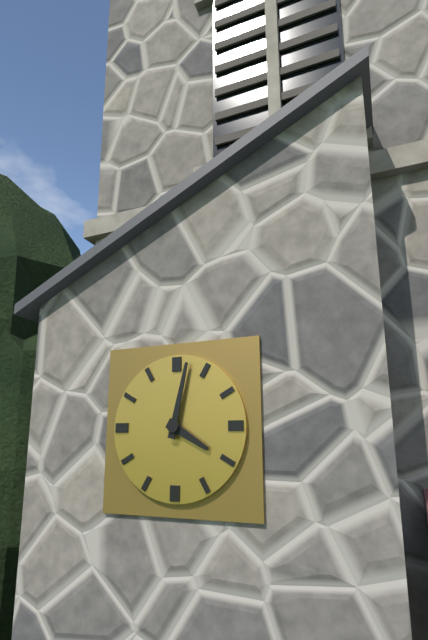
4 h 02 min
